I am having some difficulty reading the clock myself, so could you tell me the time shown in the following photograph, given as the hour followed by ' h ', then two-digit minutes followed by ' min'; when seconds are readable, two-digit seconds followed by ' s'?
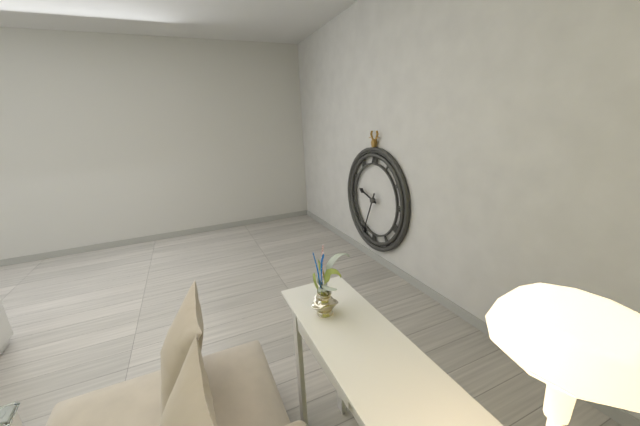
9 h 34 min
